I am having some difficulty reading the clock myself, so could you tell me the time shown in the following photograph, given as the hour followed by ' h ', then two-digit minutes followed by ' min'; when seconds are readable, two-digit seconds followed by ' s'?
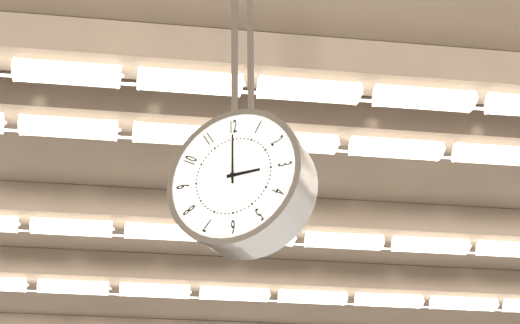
3 h 00 min
